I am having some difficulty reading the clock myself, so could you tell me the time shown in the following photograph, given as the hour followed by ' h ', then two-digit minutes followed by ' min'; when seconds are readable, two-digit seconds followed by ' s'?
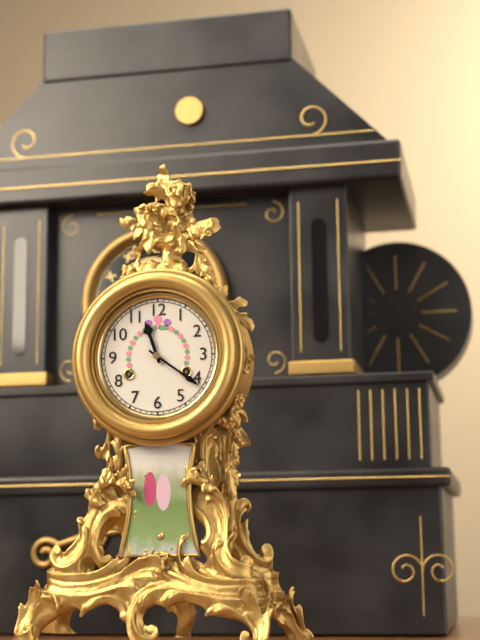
11 h 21 min
